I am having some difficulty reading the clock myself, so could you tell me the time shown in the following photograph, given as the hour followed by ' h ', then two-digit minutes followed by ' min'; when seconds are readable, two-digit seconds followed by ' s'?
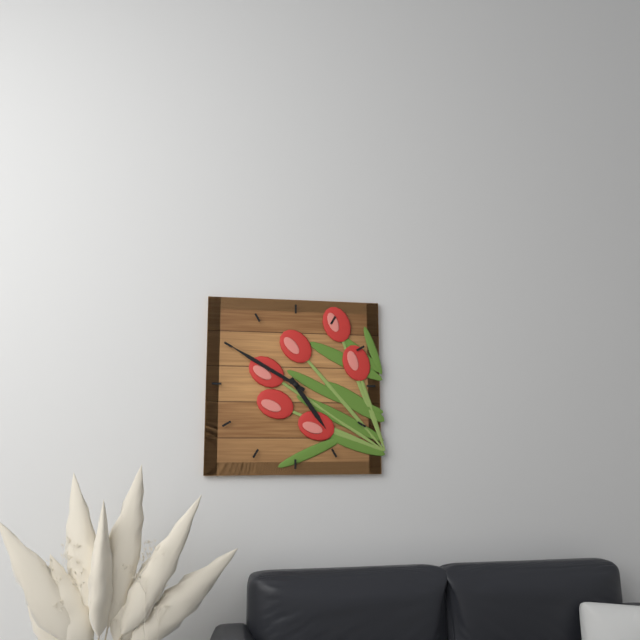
4 h 50 min
